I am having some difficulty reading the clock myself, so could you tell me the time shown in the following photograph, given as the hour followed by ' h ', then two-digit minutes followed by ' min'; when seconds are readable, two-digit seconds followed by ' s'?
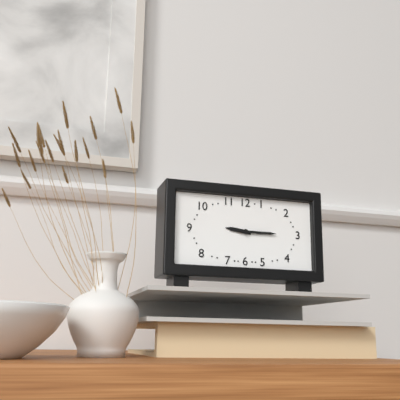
9 h 15 min
